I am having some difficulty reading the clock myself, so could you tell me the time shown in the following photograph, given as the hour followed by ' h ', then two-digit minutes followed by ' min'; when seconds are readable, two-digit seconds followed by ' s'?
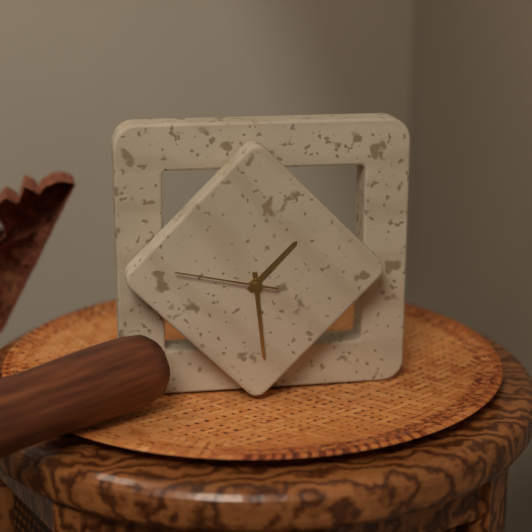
1 h 29 min 47 s
